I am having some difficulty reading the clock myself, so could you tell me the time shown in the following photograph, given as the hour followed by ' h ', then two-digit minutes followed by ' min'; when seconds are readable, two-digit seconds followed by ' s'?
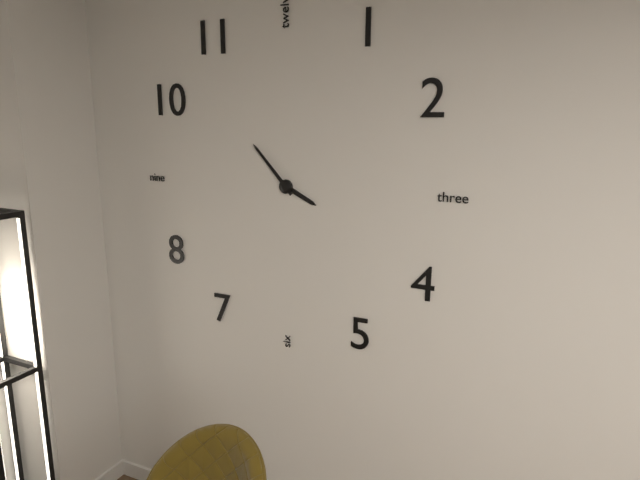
3 h 53 min
